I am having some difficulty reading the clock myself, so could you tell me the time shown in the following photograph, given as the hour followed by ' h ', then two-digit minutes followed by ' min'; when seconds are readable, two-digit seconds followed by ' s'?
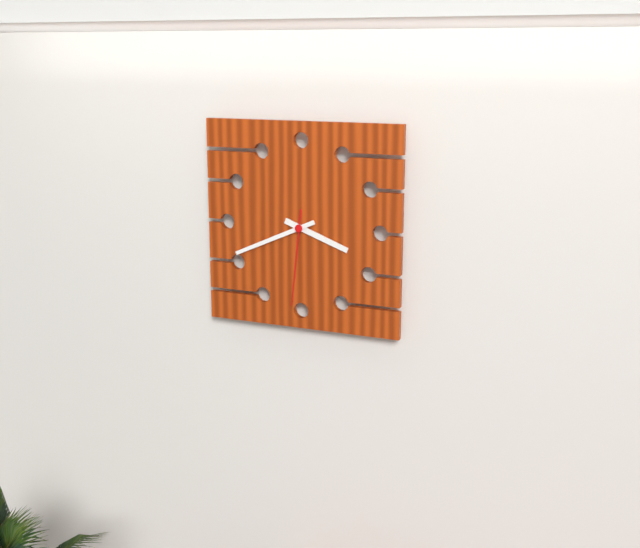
3 h 41 min 31 s
